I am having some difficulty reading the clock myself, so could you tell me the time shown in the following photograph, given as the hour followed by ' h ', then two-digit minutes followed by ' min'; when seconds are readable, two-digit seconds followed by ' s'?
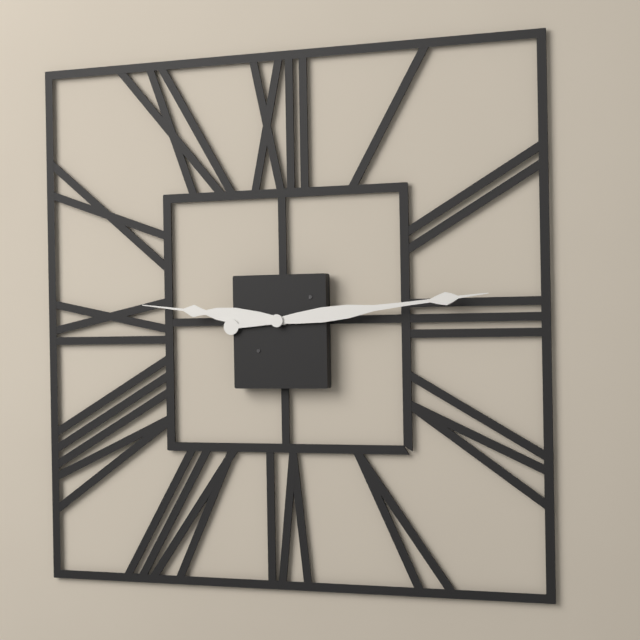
9 h 14 min
